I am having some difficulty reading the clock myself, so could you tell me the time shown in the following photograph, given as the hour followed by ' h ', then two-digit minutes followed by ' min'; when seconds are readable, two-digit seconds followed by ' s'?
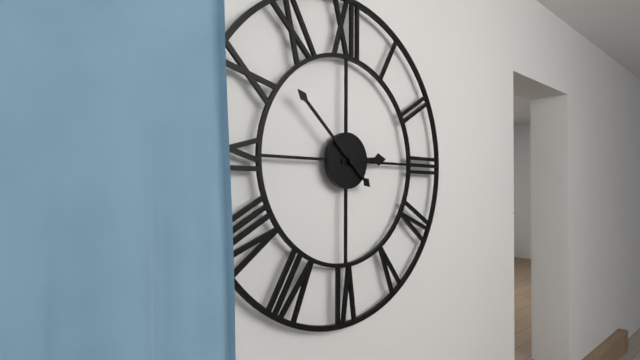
2 h 52 min
